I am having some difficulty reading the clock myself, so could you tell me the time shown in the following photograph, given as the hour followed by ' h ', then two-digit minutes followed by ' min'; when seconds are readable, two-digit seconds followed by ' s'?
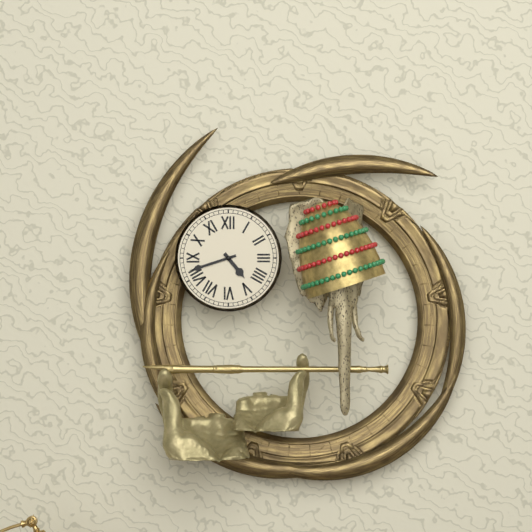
4 h 42 min
